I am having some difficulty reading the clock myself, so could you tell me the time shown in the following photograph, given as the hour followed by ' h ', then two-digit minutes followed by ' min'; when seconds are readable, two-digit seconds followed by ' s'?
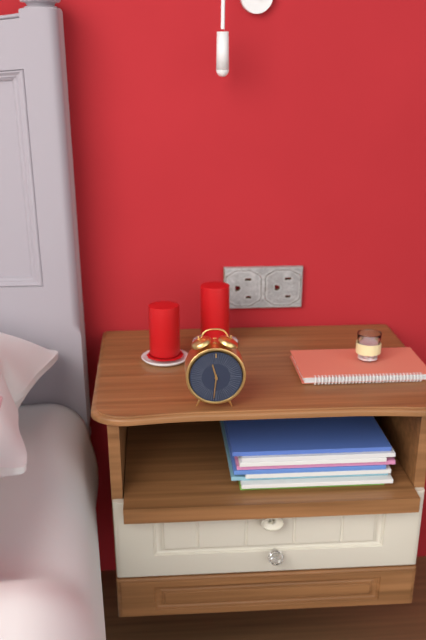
11 h 31 min
